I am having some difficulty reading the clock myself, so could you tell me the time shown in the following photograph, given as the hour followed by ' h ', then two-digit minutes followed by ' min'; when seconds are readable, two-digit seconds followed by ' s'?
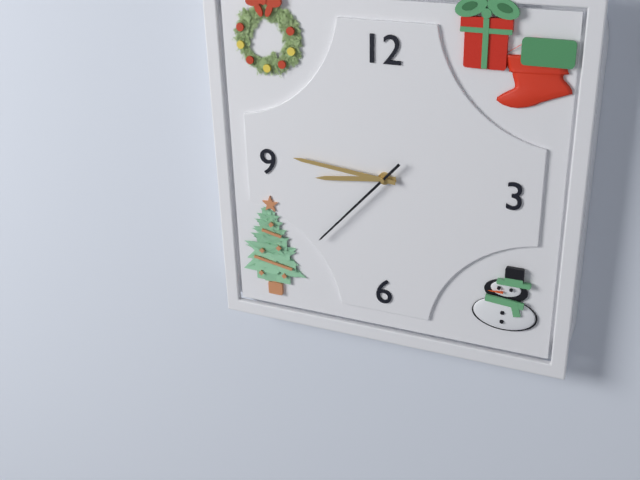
8 h 46 min 37 s
